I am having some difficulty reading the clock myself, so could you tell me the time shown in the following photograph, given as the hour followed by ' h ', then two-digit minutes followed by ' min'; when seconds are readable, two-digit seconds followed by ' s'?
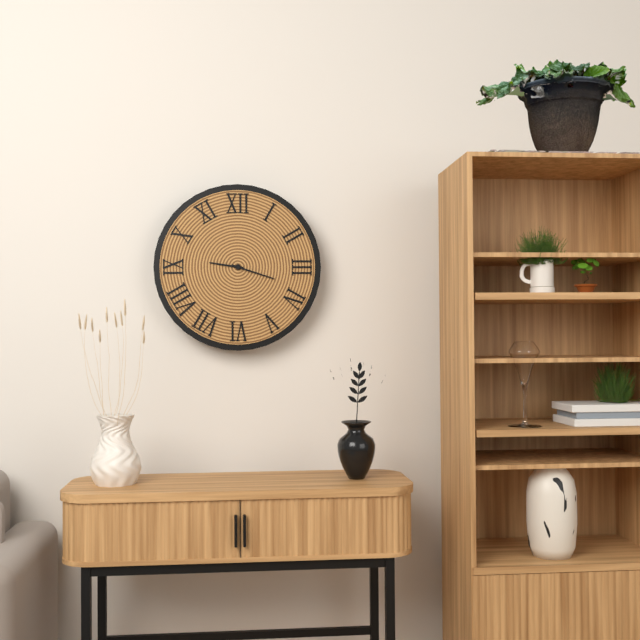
9 h 18 min
